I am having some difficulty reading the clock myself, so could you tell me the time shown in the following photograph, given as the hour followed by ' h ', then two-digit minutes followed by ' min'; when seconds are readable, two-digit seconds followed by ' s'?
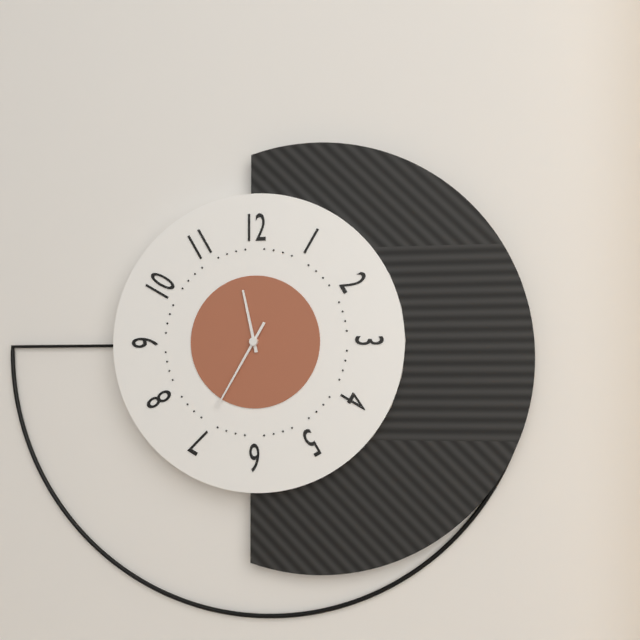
11 h 35 min
